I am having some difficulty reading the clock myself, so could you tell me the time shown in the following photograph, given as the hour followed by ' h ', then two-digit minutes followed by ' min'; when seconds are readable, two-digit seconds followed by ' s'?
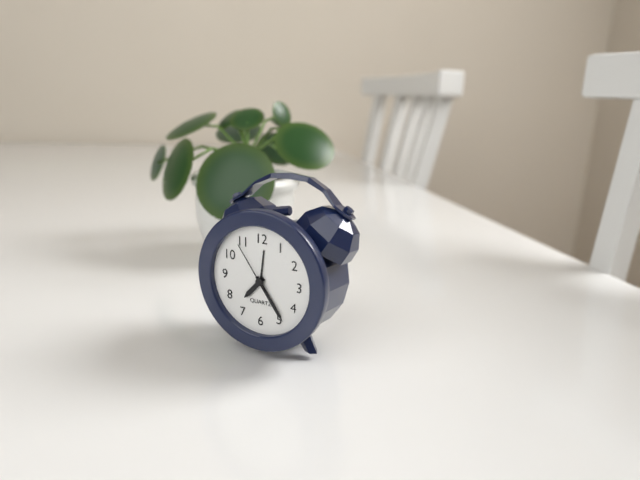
7 h 24 min 54 s
